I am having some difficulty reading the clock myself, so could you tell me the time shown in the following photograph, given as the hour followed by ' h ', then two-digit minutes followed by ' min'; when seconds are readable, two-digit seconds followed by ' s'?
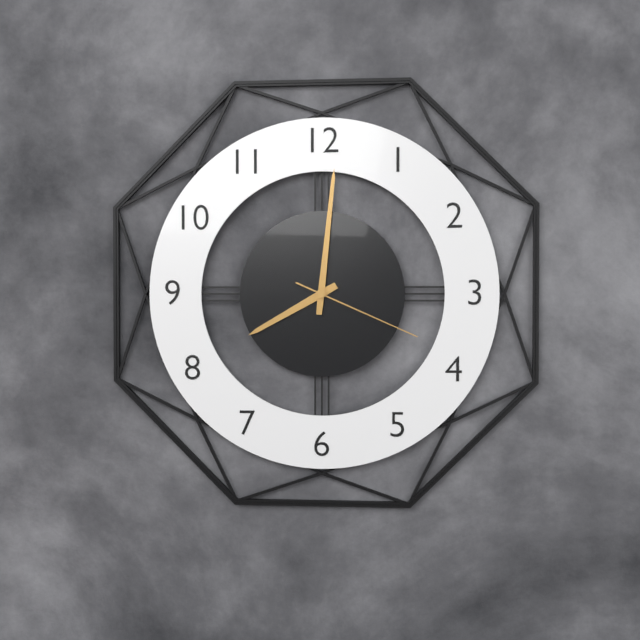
8 h 01 min 19 s
